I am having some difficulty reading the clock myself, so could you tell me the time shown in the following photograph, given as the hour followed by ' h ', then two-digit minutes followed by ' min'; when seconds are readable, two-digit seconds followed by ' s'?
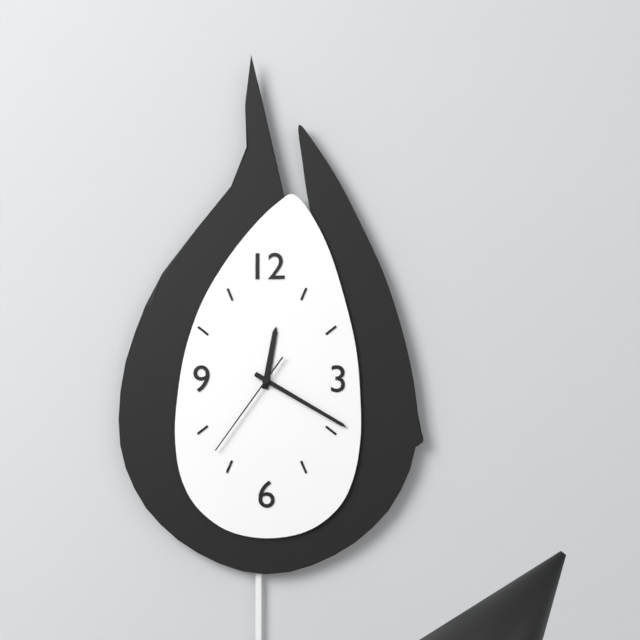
12 h 20 min 36 s
